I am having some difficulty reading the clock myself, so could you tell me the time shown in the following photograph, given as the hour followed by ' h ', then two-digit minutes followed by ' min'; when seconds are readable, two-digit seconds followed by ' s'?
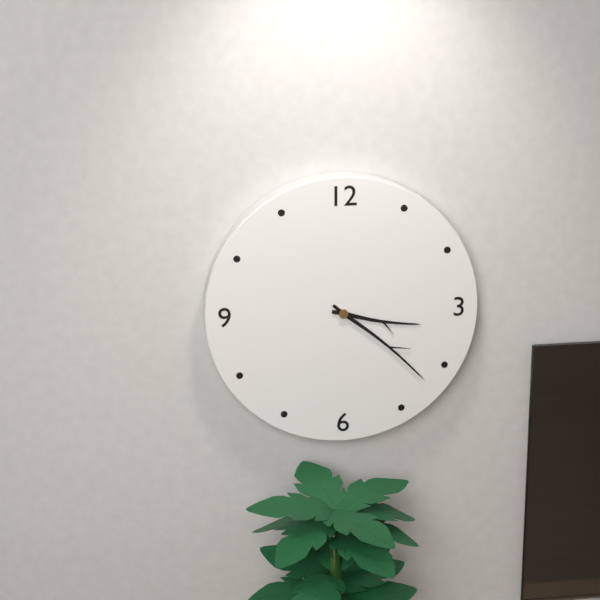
3 h 22 min
